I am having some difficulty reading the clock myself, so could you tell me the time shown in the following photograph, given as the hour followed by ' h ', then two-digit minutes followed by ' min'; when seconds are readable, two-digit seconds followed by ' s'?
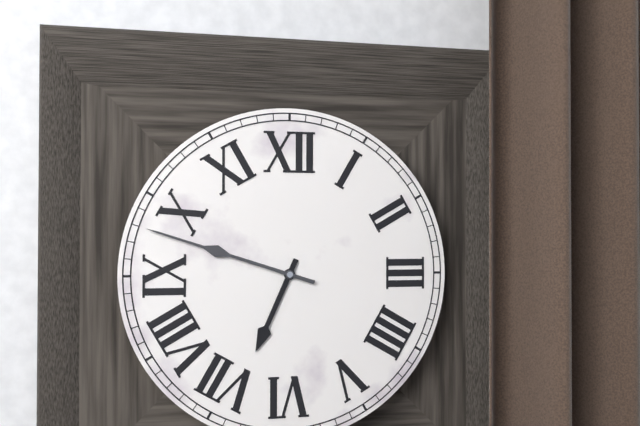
6 h 48 min
